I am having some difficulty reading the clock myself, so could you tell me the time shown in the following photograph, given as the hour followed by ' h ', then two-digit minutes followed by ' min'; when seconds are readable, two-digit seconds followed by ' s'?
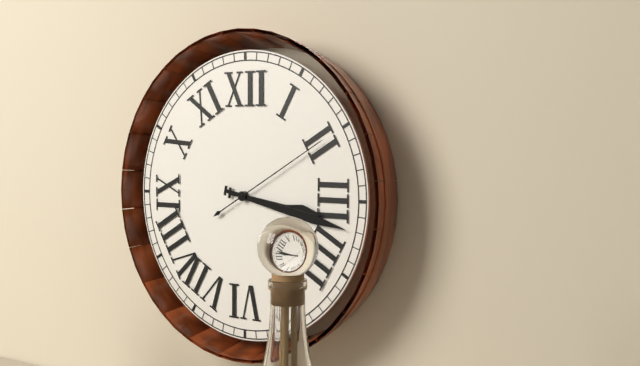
3 h 17 min 10 s
